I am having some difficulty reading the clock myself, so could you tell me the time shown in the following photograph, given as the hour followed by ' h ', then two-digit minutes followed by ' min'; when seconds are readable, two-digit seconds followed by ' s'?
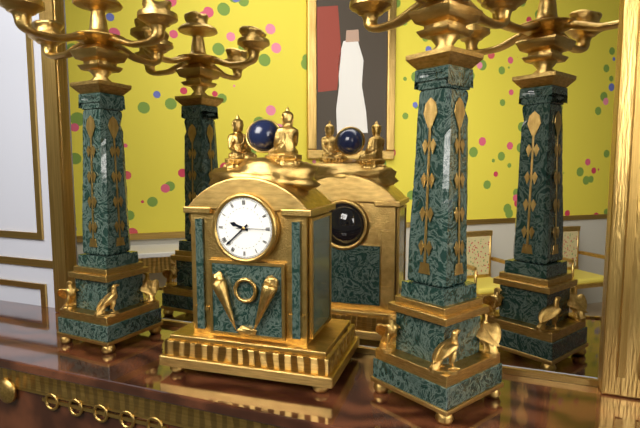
9 h 38 min
